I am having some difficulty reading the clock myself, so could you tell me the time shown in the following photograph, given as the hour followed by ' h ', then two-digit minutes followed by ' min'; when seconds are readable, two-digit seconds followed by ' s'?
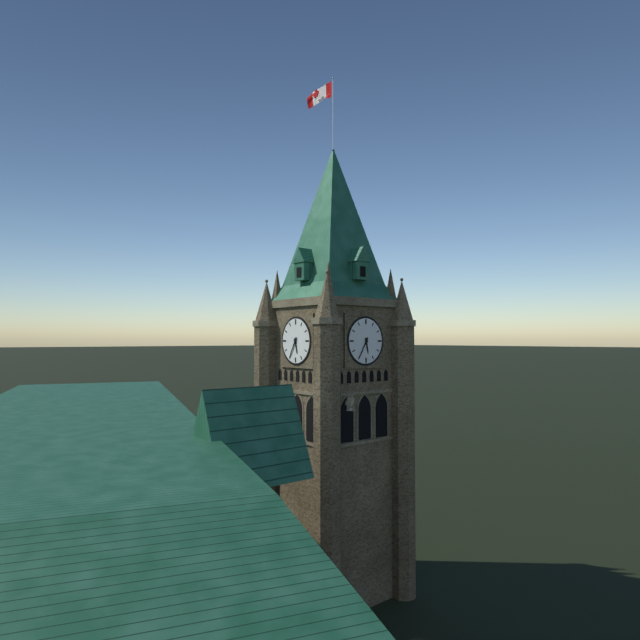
5 h 35 min
